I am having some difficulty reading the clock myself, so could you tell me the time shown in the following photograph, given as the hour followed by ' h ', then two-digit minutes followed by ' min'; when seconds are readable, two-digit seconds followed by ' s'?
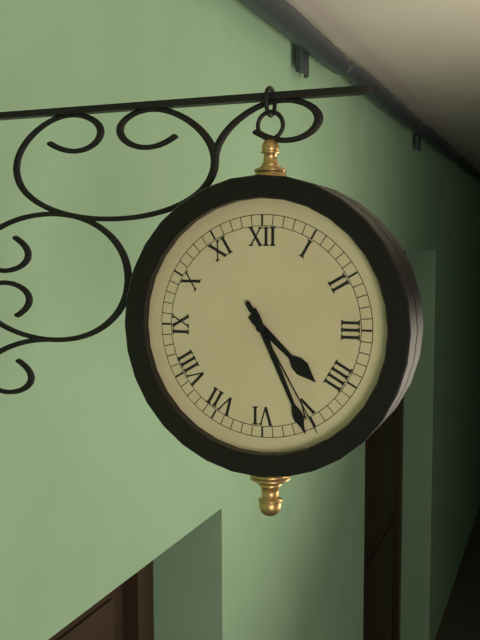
4 h 26 min 25 s
